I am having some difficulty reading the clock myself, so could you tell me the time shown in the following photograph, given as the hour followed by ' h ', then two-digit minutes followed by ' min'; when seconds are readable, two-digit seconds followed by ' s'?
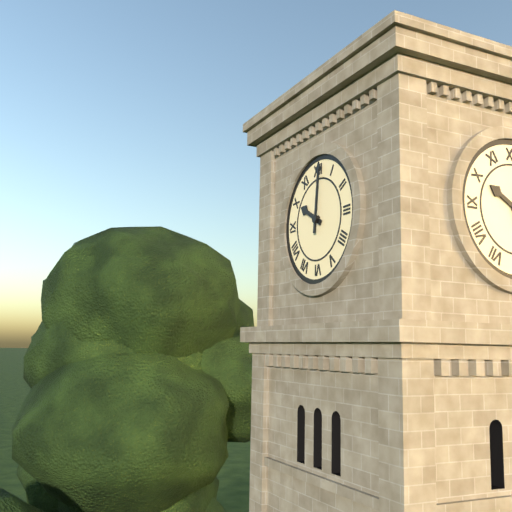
10 h 01 min
